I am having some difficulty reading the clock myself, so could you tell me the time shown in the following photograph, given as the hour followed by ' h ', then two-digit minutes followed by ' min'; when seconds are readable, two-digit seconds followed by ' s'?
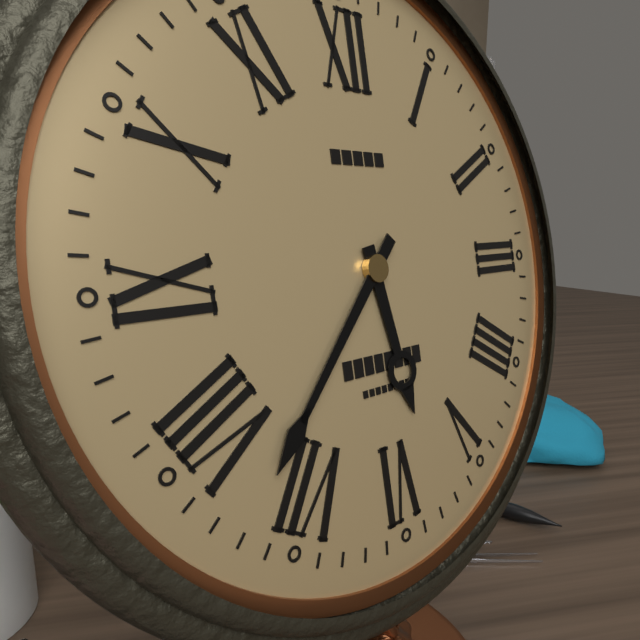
5 h 37 min
